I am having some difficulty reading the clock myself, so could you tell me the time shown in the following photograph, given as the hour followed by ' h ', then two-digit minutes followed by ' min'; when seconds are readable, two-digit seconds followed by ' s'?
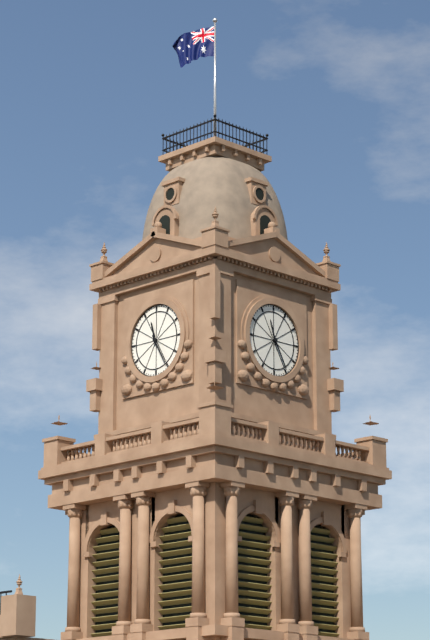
11 h 25 min
